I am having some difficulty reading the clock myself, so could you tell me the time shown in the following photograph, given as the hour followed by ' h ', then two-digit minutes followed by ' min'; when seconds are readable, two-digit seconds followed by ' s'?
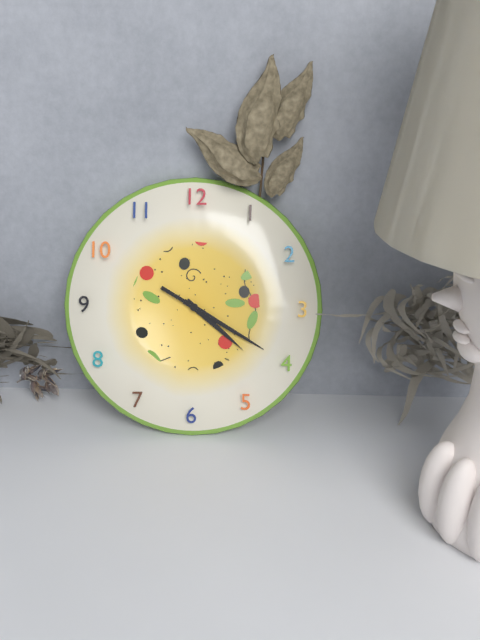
4 h 20 min 20 s
